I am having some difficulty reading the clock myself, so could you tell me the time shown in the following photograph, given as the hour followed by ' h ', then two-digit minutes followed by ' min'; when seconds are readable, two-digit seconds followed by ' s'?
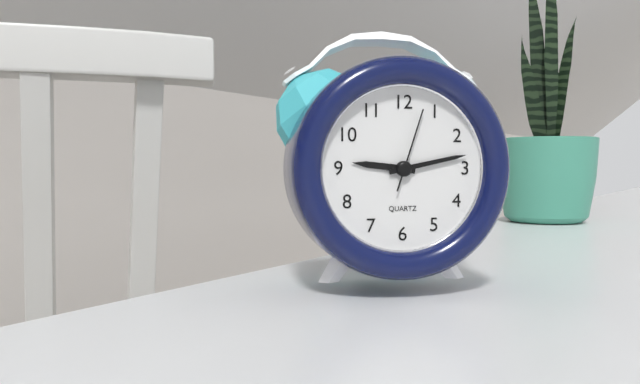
9 h 13 min 03 s
